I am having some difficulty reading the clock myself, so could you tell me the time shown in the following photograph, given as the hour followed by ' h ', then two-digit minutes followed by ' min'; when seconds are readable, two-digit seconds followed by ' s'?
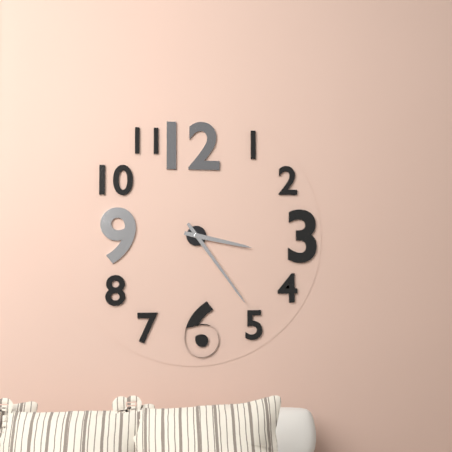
3 h 24 min
